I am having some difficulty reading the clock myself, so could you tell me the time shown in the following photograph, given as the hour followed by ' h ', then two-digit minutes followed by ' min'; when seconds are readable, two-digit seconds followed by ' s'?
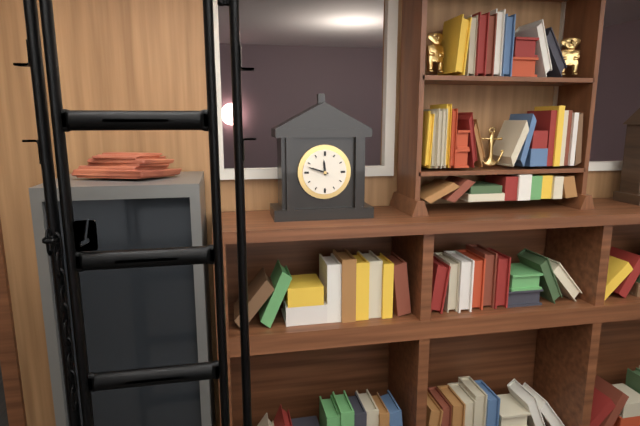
11 h 48 min
